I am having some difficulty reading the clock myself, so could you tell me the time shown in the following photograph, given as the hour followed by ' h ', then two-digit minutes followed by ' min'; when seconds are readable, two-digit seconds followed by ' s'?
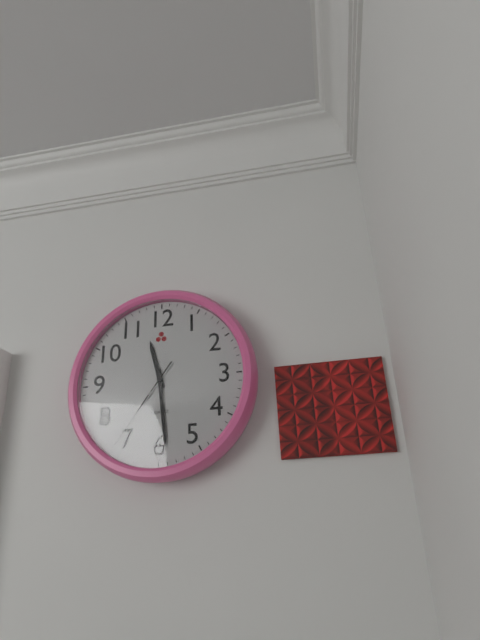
11 h 29 min 36 s
